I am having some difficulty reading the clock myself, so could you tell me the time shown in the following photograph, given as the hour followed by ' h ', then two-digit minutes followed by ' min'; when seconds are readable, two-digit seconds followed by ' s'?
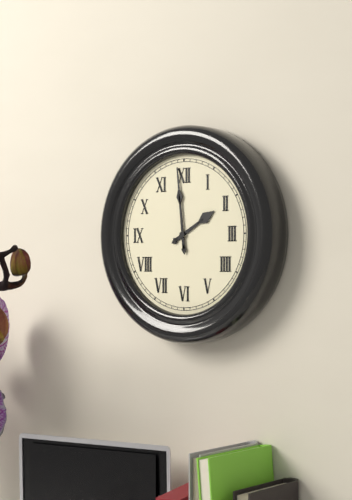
1 h 59 min
